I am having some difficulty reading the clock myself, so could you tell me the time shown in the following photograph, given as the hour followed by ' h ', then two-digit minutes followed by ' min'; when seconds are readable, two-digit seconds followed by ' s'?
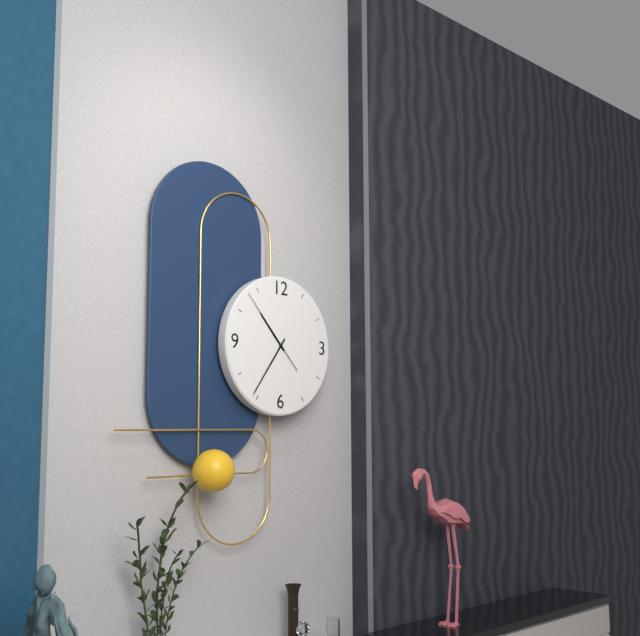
10 h 36 min 53 s
